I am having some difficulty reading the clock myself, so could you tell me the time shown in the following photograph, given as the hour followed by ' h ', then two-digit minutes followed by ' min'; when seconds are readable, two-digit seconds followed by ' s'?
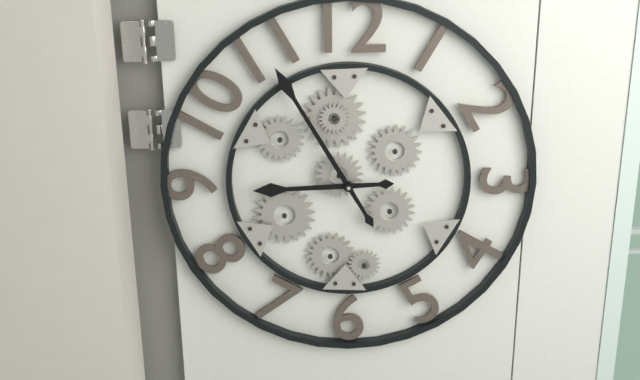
8 h 55 min
